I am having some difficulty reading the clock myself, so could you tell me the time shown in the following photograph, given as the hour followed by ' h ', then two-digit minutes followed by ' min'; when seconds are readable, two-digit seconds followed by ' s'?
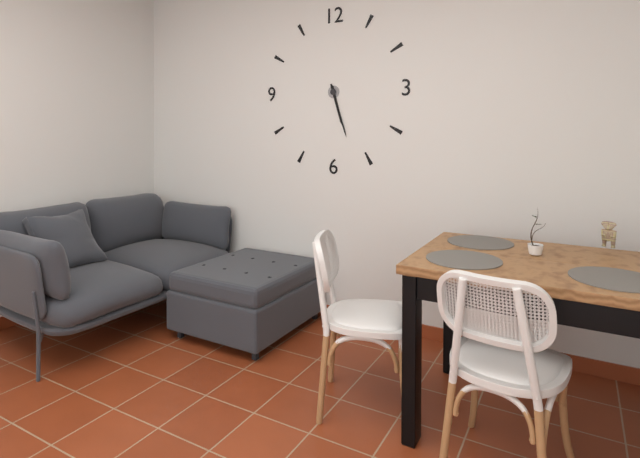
5 h 27 min
